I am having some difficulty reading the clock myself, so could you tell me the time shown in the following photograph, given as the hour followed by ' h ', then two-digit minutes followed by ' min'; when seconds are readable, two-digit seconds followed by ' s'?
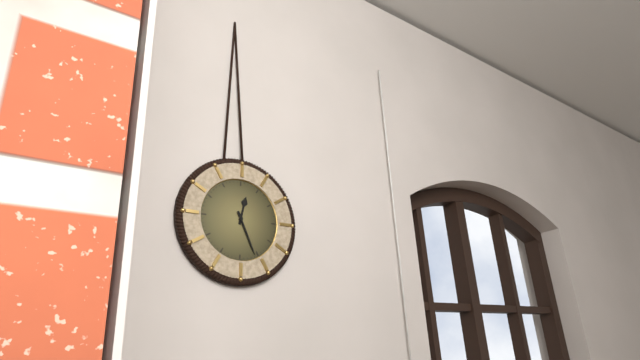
12 h 26 min
